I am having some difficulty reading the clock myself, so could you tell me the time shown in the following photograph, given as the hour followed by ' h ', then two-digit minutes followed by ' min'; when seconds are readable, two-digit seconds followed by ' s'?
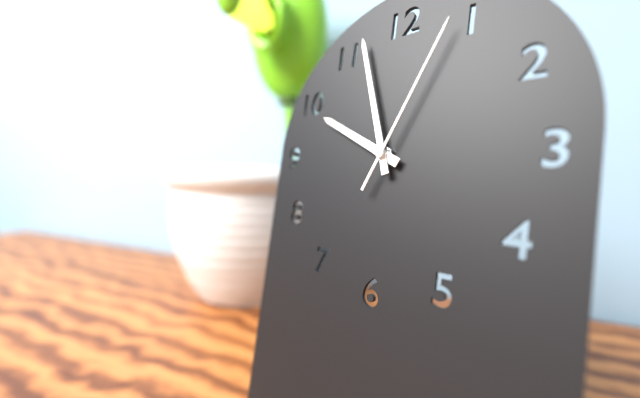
9 h 57 min 04 s
